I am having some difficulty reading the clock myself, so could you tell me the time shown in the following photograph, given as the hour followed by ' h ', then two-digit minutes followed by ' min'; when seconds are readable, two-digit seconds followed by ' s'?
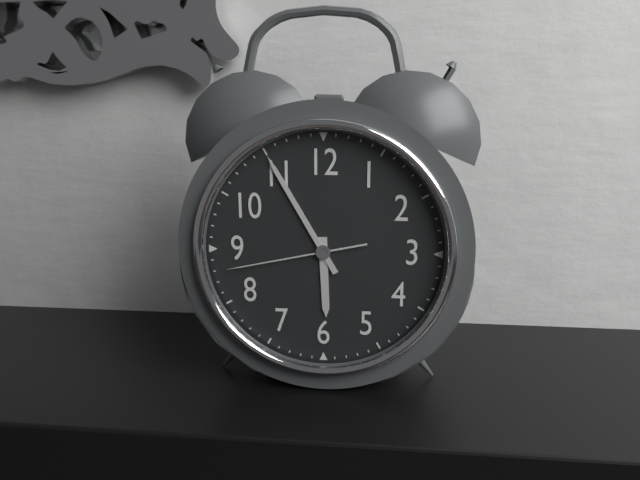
5 h 55 min 43 s
